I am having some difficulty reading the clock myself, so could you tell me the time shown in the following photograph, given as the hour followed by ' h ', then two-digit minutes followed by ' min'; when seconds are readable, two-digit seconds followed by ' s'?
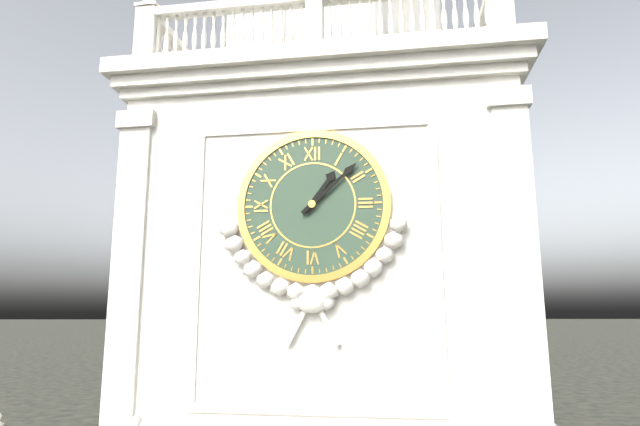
1 h 08 min
